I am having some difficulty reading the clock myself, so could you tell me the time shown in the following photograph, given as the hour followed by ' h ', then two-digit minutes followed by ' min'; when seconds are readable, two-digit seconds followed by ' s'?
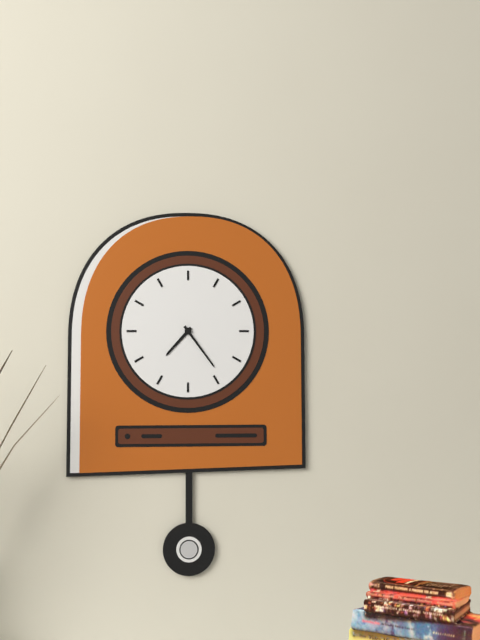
7 h 24 min
